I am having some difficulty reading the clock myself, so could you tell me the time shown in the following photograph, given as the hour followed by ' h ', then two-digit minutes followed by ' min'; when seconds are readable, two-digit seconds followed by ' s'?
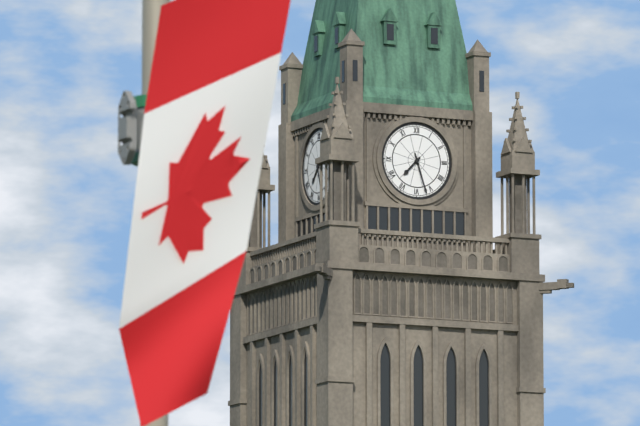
7 h 27 min
